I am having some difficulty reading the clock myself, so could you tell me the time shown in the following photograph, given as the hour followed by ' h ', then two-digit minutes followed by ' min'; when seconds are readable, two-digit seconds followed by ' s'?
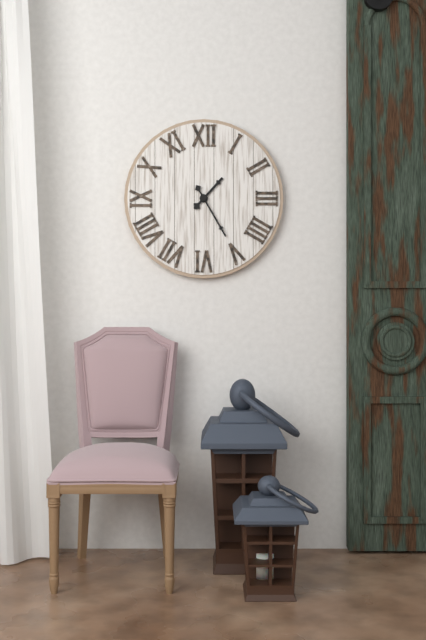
1 h 25 min
